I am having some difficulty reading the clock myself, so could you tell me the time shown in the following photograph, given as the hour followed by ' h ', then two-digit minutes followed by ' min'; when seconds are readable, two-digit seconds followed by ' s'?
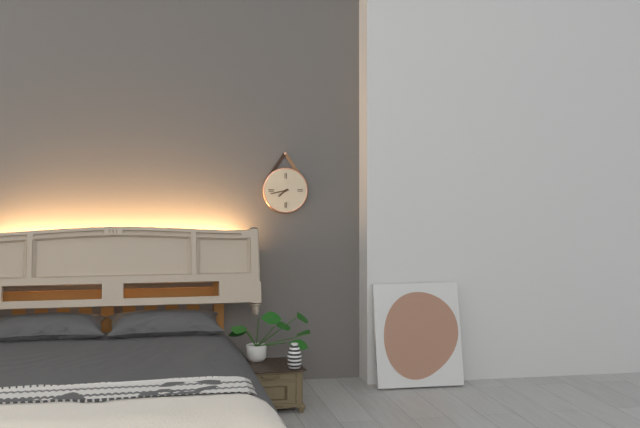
7 h 43 min
